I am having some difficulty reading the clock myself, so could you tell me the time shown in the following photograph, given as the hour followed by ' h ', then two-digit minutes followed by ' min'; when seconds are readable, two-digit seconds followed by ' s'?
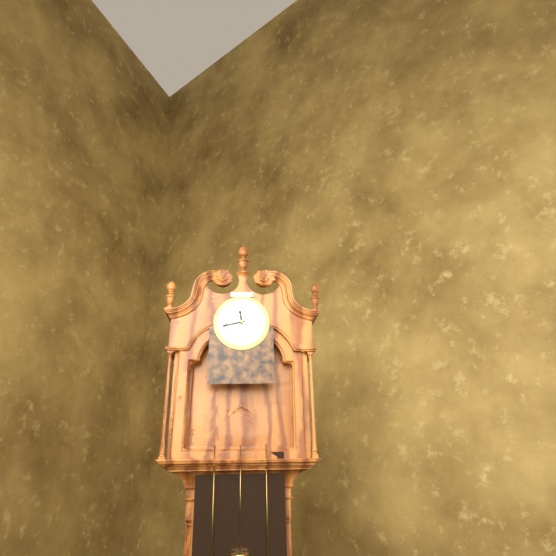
11 h 43 min
